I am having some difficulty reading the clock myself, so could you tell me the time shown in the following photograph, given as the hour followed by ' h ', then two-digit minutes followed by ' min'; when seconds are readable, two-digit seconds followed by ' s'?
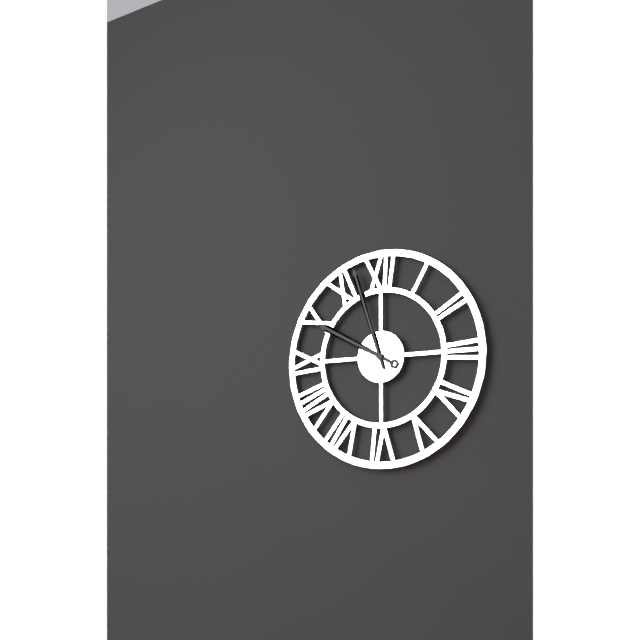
9 h 57 min
